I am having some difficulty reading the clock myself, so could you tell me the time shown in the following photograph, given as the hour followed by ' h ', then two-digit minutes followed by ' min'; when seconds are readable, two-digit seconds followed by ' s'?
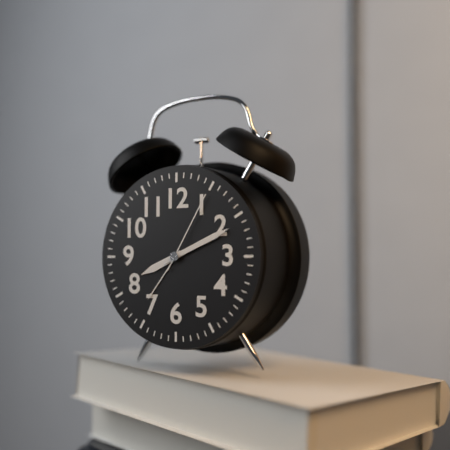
8 h 11 min 05 s
